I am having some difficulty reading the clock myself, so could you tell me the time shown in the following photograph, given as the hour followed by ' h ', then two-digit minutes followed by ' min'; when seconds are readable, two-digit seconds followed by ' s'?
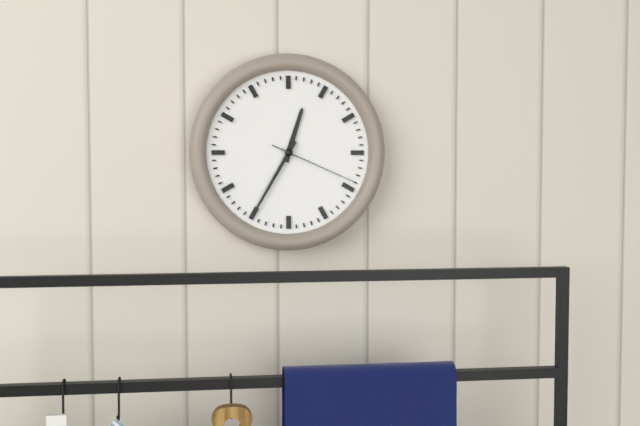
12 h 35 min 19 s
